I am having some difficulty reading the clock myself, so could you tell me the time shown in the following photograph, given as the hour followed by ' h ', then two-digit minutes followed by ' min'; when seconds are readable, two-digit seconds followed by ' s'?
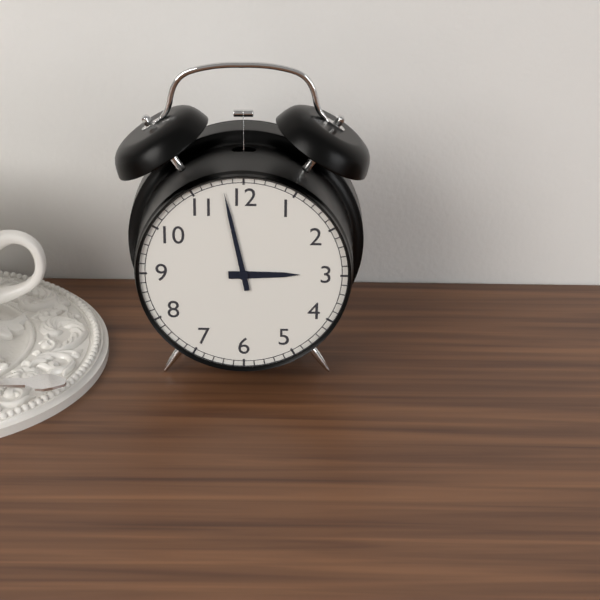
2 h 58 min
